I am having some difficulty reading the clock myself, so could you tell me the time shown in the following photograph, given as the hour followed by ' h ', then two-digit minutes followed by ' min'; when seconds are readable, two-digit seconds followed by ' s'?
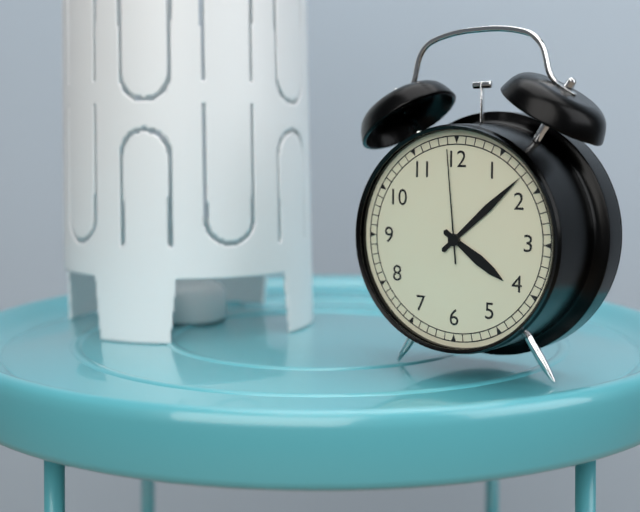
4 h 08 min 59 s
